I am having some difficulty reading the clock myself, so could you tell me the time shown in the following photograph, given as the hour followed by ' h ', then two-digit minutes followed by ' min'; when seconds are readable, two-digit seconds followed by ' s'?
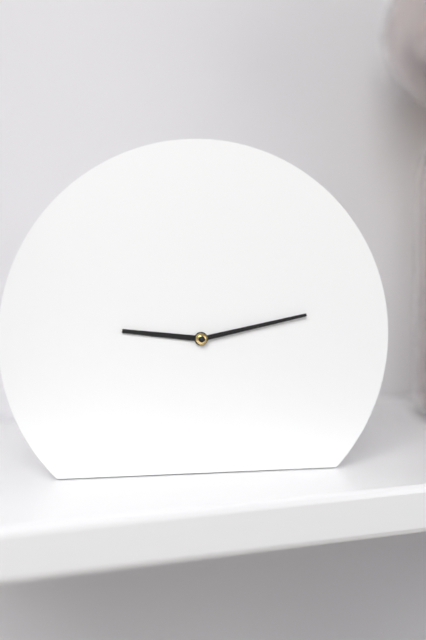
9 h 13 min
